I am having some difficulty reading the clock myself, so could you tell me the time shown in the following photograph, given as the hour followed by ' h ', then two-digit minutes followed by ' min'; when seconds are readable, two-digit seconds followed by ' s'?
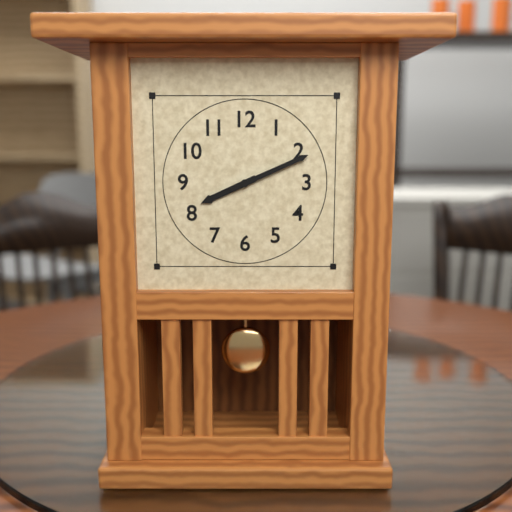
8 h 11 min
